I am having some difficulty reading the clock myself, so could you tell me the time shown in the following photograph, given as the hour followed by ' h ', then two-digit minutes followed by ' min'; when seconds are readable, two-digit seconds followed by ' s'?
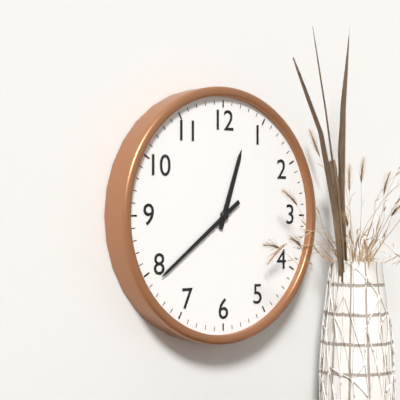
12 h 39 min
